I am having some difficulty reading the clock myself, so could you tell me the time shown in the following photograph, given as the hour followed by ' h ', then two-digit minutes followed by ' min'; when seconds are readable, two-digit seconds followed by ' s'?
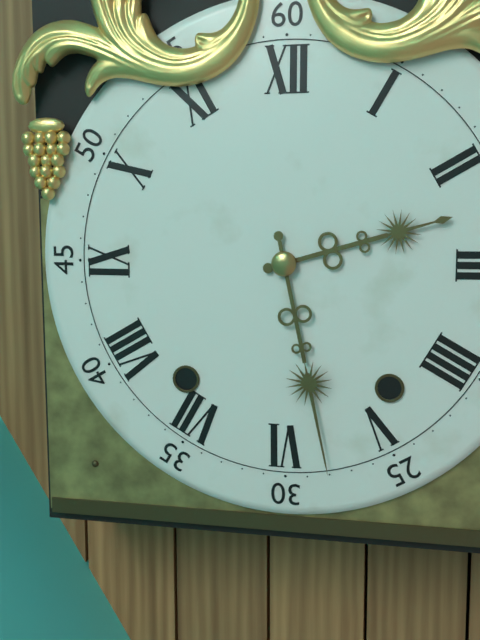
2 h 28 min
